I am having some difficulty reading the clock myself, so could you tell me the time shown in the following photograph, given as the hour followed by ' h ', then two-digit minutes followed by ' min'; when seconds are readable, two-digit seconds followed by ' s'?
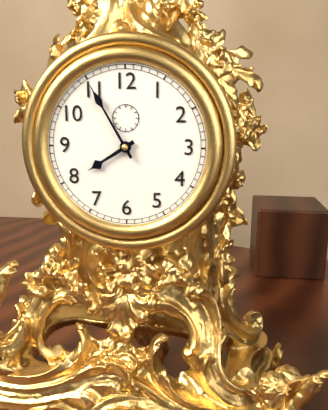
7 h 55 min
